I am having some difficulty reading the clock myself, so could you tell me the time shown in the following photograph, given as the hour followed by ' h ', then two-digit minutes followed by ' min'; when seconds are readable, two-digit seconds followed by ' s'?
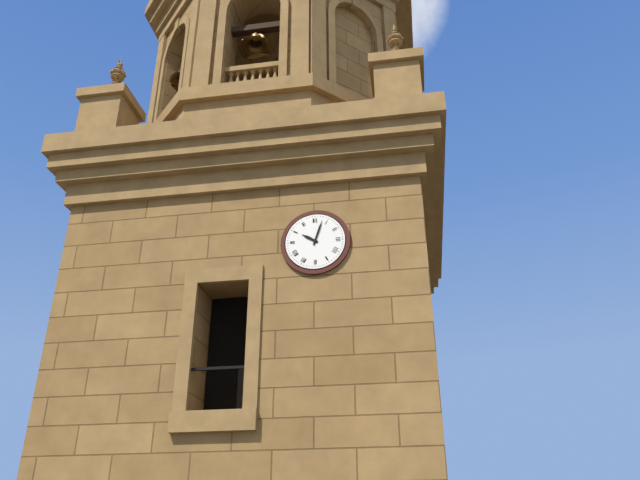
10 h 03 min
